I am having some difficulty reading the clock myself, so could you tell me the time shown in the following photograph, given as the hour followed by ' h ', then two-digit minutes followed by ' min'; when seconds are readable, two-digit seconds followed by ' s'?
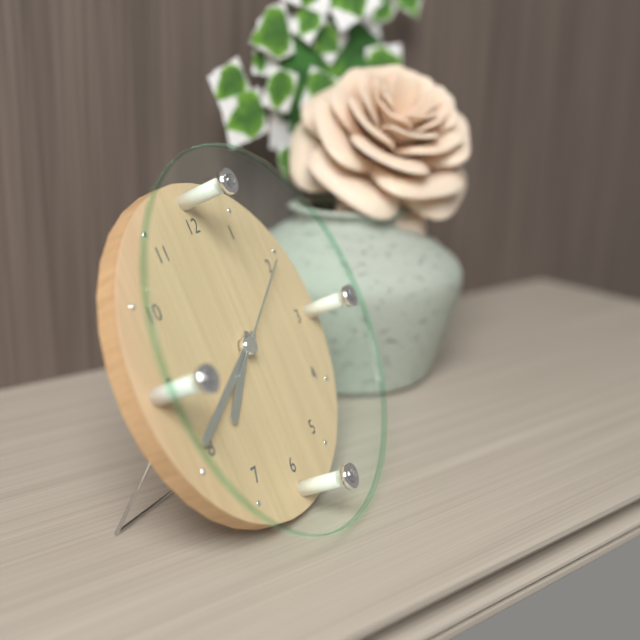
7 h 41 min 10 s
